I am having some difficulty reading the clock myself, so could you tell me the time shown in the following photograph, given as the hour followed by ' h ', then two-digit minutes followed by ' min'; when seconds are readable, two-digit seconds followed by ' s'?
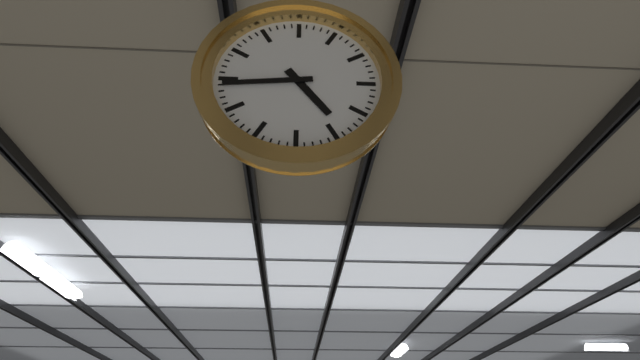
4 h 44 min
